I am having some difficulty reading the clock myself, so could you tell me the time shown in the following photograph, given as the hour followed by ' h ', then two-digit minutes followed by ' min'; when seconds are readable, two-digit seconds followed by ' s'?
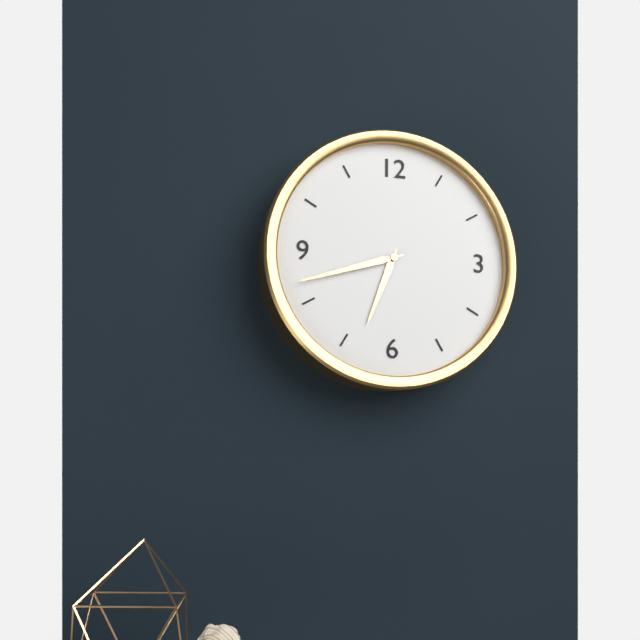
6 h 42 min
